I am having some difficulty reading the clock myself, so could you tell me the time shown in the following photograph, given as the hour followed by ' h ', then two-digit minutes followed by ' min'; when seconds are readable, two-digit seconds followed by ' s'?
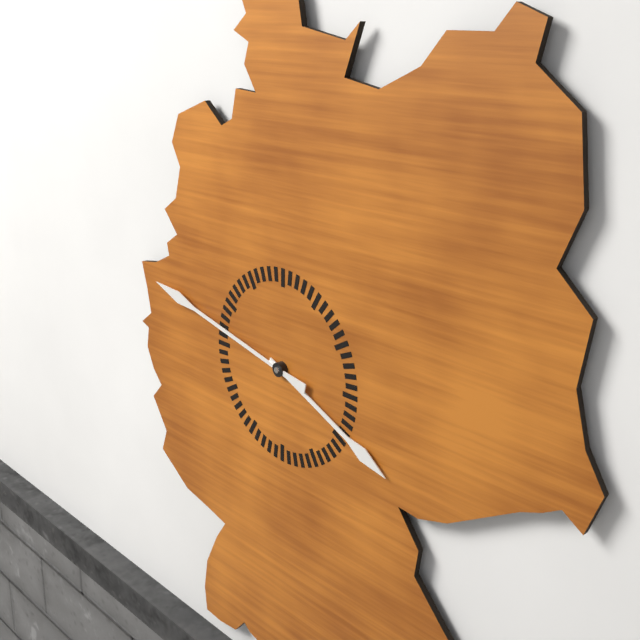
3 h 47 min
